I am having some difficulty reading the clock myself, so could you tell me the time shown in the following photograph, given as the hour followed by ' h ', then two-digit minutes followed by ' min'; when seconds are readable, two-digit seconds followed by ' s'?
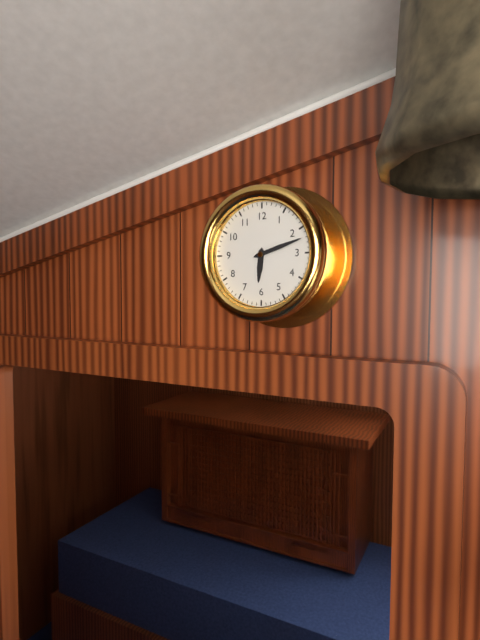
6 h 12 min
